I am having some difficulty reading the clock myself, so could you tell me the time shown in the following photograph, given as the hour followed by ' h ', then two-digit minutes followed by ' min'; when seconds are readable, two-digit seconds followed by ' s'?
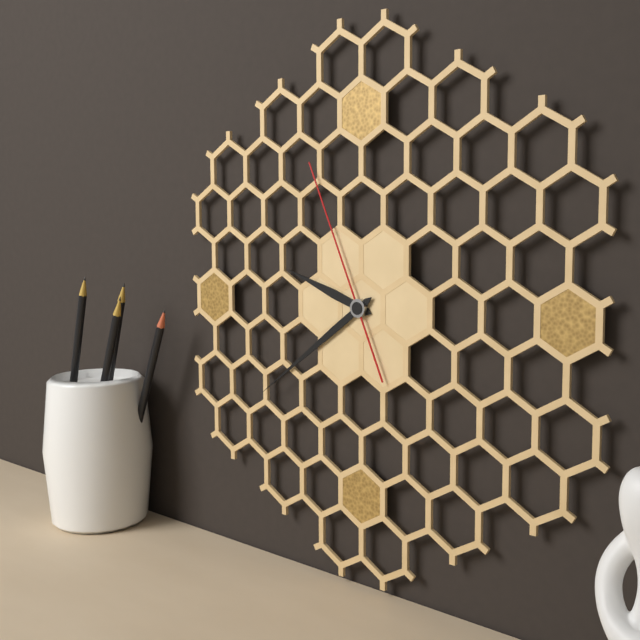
9 h 39 min 56 s
